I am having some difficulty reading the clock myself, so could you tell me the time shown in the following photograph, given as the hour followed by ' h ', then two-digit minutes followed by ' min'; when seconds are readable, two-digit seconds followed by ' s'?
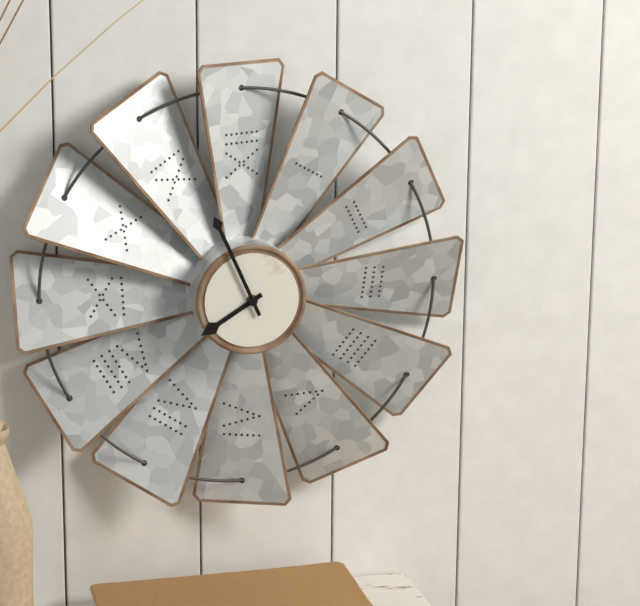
7 h 56 min
